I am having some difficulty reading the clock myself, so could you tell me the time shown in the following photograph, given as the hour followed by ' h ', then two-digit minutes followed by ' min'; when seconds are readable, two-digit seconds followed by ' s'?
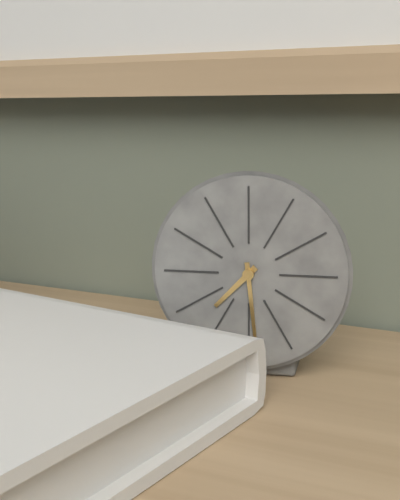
7 h 29 min
